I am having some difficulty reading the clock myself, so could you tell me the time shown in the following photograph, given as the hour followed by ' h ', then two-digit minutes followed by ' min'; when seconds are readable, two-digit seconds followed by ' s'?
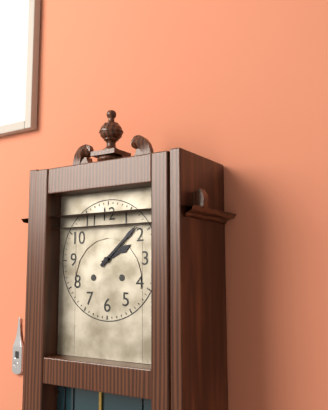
2 h 08 min
